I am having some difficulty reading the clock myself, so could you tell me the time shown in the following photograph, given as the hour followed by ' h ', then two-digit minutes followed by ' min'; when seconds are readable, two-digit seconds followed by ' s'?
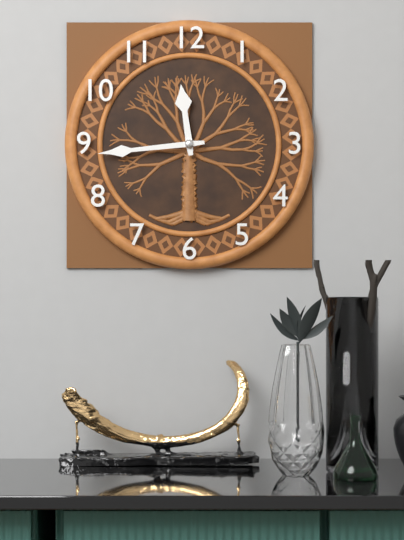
11 h 44 min
